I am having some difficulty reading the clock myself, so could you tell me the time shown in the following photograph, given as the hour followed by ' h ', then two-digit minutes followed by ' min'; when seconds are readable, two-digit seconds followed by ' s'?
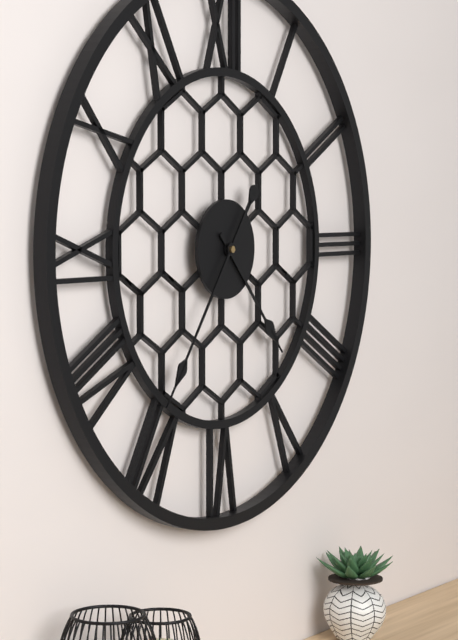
4 h 36 min
